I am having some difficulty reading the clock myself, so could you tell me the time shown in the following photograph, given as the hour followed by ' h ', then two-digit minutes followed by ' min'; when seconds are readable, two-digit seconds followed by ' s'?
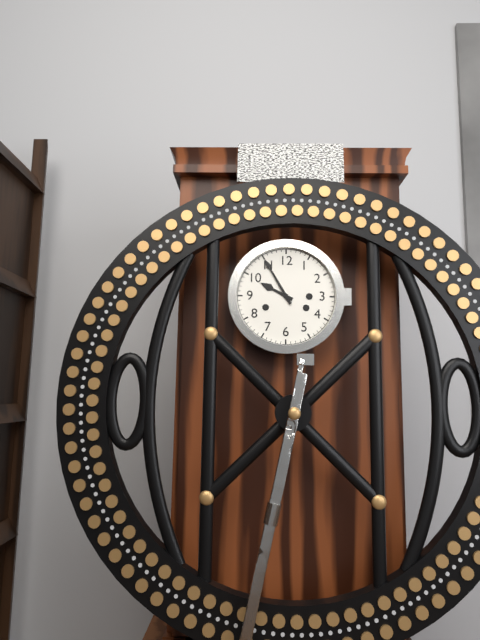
9 h 55 min
